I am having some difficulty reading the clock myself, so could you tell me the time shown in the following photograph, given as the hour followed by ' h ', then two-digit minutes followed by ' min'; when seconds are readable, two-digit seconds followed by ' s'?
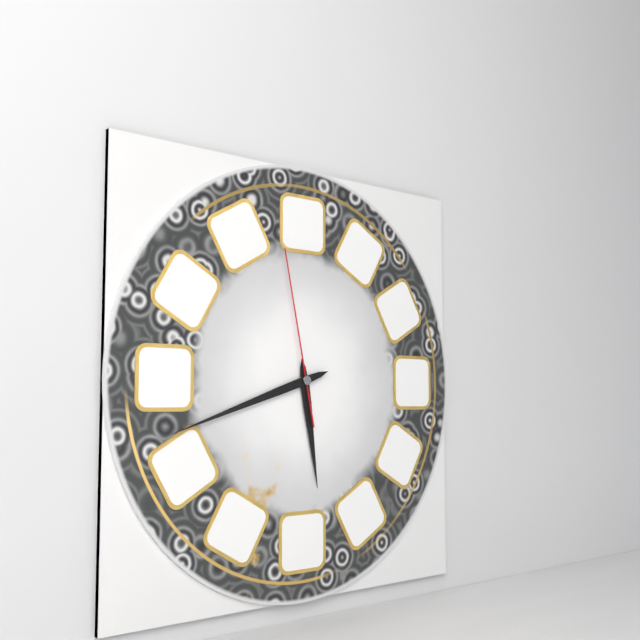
5 h 42 min 58 s
